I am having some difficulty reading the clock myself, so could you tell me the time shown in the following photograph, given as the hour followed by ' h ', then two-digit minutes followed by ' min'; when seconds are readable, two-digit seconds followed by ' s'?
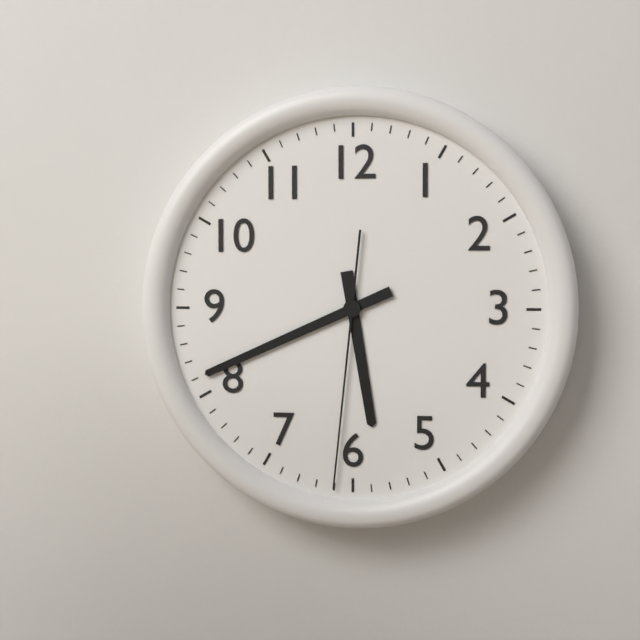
5 h 41 min 31 s
